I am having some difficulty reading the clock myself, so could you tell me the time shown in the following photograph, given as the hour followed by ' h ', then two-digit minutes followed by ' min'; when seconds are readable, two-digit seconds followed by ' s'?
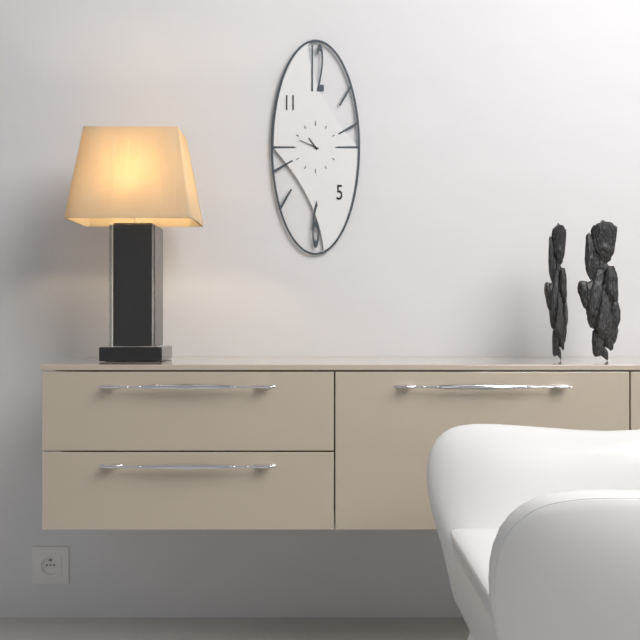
10 h 49 min
